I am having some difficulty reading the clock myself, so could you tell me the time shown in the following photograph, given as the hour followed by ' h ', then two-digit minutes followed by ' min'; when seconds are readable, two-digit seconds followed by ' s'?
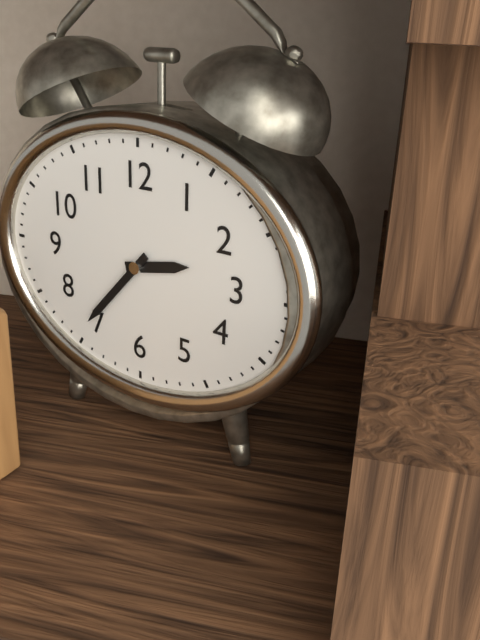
2 h 37 min
